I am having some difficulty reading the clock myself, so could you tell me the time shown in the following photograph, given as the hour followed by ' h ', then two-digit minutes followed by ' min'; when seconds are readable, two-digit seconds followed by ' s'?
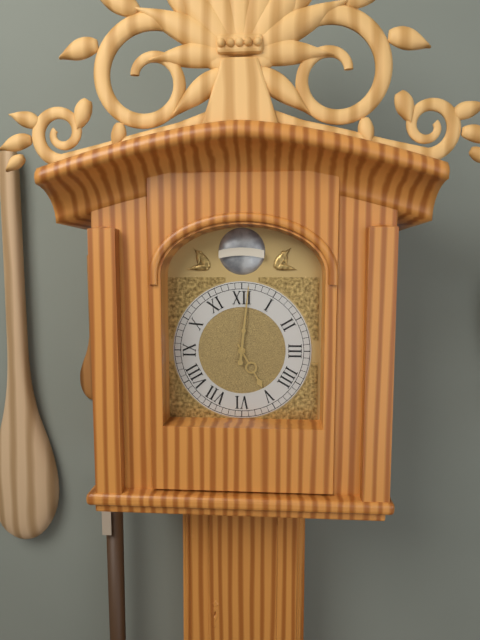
5 h 01 min
